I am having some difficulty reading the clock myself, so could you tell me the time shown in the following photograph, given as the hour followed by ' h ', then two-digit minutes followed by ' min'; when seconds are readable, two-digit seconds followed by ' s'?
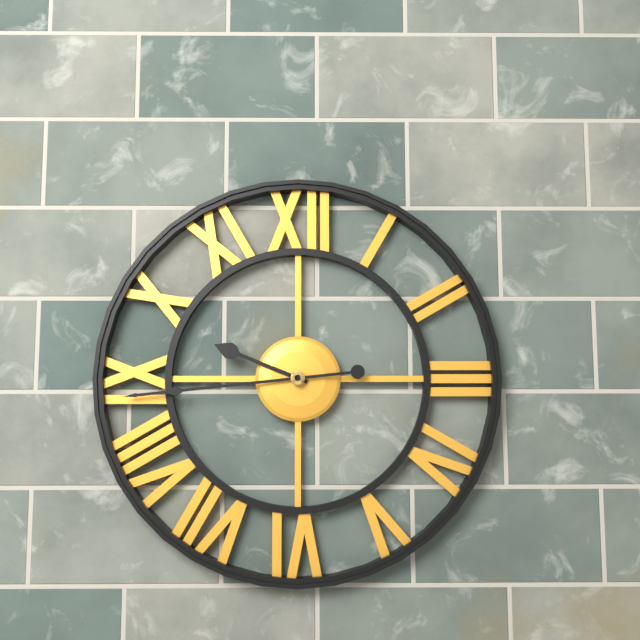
9 h 44 min
